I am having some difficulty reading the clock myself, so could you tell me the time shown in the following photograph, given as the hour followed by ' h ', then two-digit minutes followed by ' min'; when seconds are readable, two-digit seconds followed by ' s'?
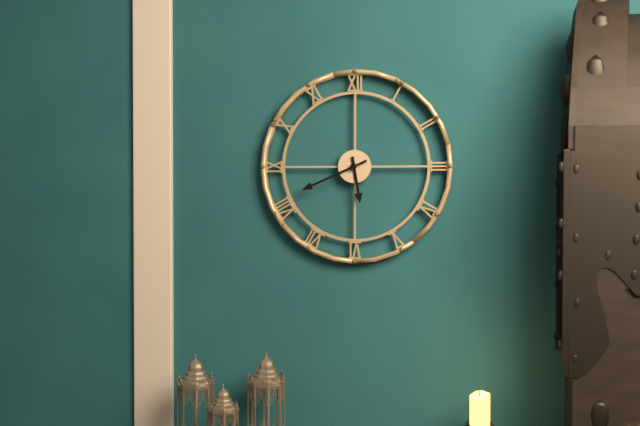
5 h 41 min
